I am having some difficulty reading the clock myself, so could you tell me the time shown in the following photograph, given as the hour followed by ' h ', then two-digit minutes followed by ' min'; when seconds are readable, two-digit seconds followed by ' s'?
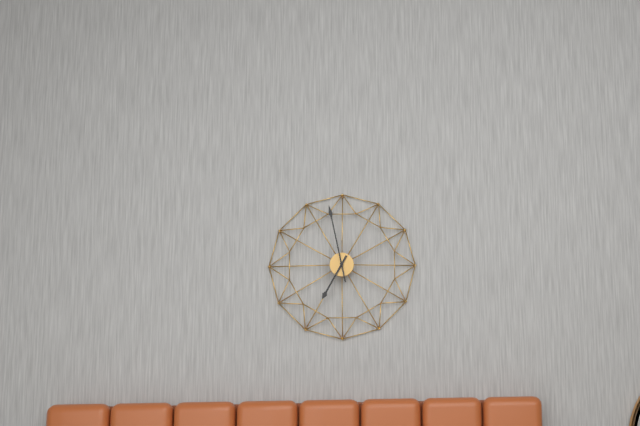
6 h 58 min
